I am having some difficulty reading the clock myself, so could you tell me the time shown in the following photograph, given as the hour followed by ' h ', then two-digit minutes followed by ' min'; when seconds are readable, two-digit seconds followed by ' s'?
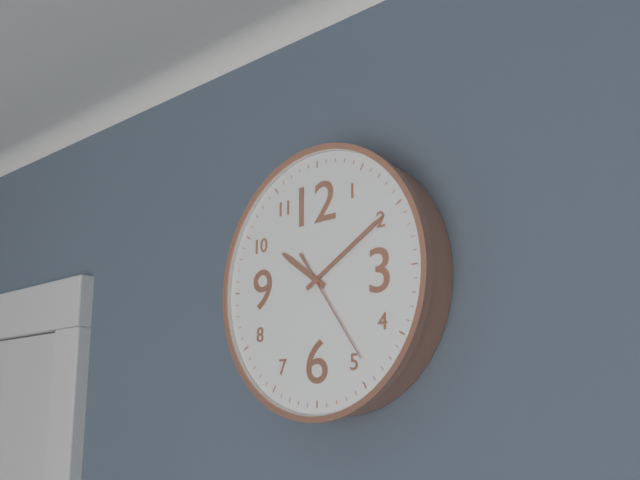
10 h 10 min 24 s
